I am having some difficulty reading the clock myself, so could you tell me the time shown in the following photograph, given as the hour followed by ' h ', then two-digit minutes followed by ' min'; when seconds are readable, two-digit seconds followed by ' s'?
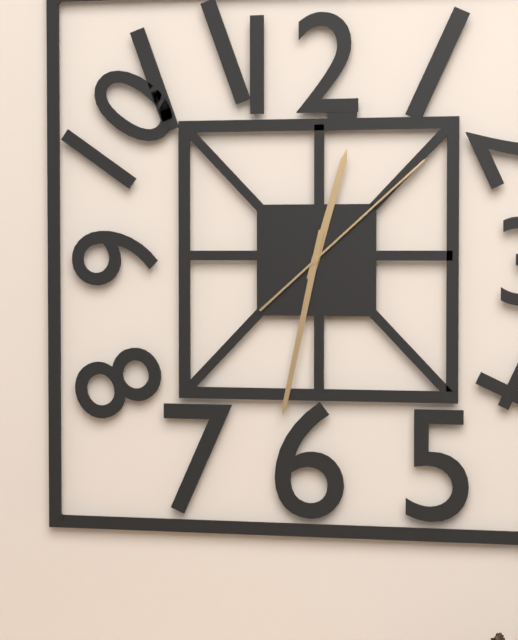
12 h 32 min 08 s
